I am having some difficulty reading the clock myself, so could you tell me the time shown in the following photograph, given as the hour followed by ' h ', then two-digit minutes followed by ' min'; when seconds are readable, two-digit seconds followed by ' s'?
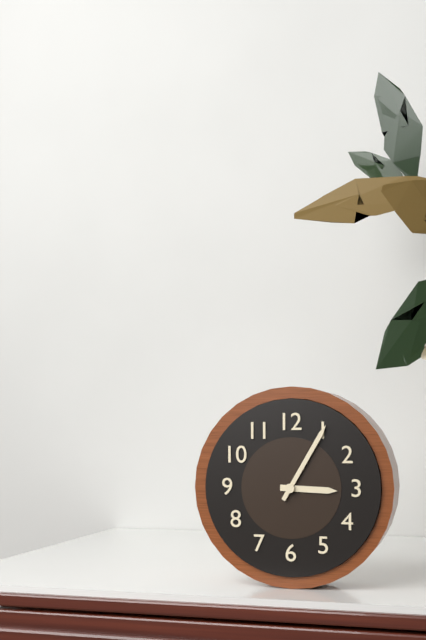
3 h 05 min
